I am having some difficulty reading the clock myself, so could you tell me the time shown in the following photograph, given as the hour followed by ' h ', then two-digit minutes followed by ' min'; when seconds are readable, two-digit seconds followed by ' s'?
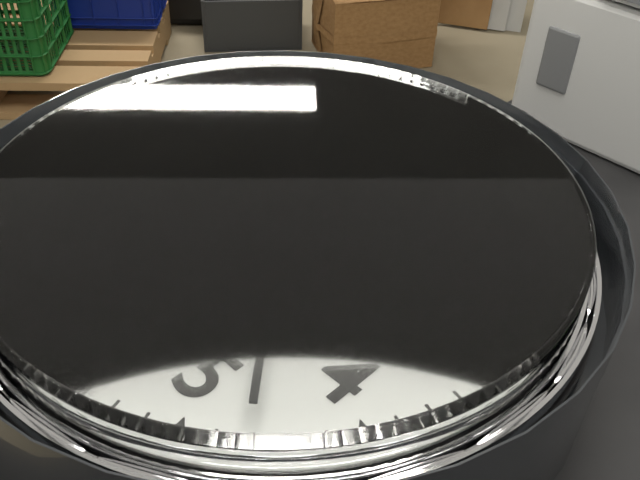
11 h 23 min
